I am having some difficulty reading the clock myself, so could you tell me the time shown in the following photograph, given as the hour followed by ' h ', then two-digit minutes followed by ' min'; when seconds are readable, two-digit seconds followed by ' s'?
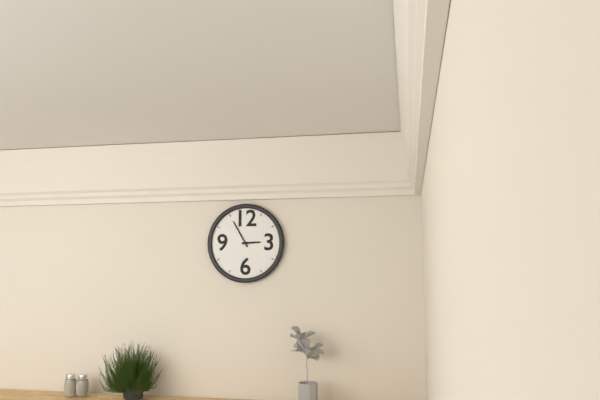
2 h 55 min
